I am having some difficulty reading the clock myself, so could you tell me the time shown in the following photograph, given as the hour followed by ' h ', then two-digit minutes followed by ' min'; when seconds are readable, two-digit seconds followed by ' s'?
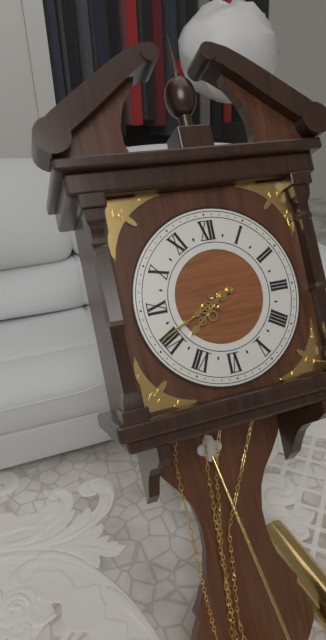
7 h 41 min
